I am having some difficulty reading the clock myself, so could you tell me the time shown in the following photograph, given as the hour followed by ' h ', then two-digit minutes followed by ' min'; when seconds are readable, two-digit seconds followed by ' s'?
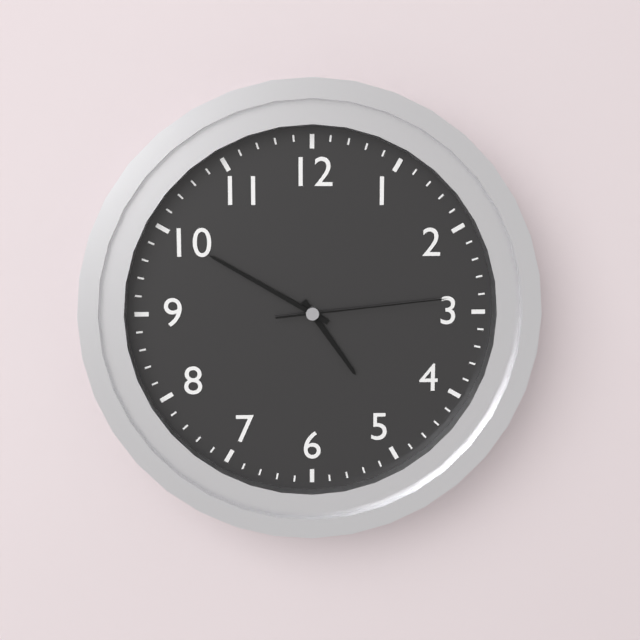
4 h 50 min 14 s
